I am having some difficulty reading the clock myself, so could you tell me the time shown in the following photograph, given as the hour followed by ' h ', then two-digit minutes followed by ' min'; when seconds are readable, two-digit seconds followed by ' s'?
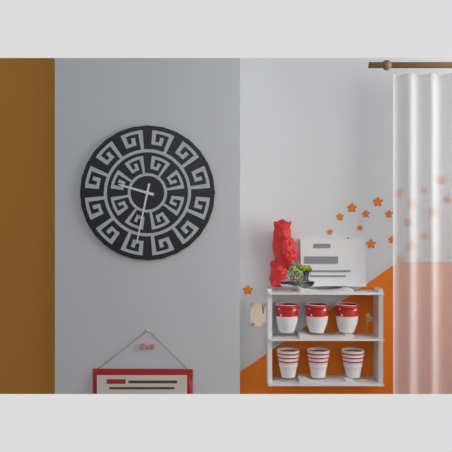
9 h 32 min
